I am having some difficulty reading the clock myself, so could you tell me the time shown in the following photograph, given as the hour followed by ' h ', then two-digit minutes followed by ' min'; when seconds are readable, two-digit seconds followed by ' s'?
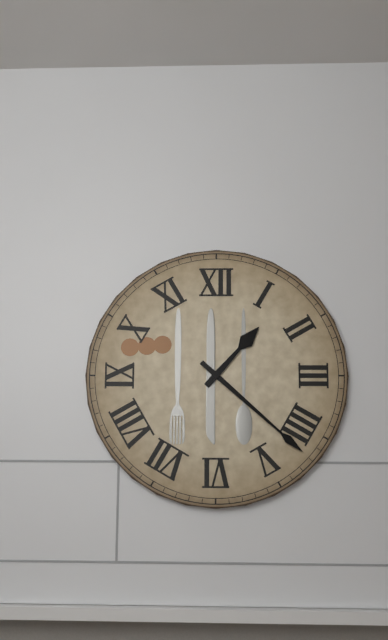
1 h 22 min
